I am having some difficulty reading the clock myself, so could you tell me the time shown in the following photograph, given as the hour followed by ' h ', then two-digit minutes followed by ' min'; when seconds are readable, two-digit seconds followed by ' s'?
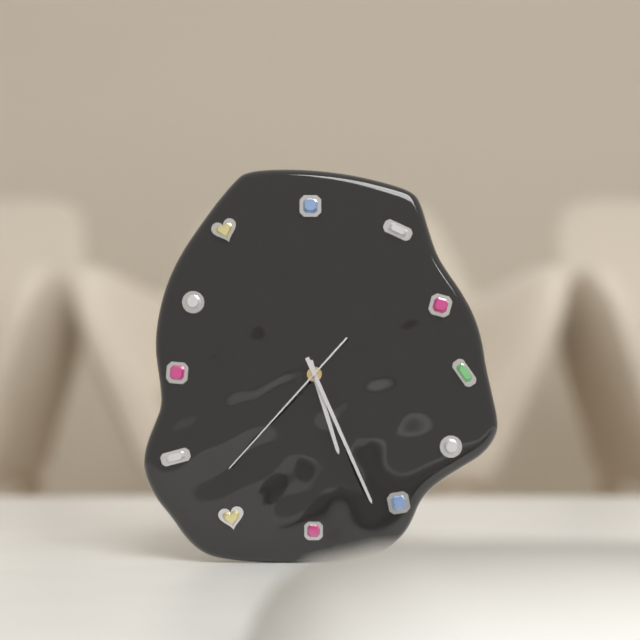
5 h 26 min 37 s
